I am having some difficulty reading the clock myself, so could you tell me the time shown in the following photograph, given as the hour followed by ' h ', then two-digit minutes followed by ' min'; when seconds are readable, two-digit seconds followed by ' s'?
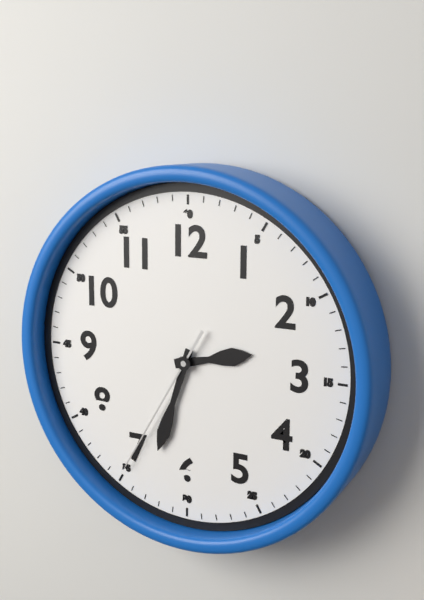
2 h 33 min 35 s
